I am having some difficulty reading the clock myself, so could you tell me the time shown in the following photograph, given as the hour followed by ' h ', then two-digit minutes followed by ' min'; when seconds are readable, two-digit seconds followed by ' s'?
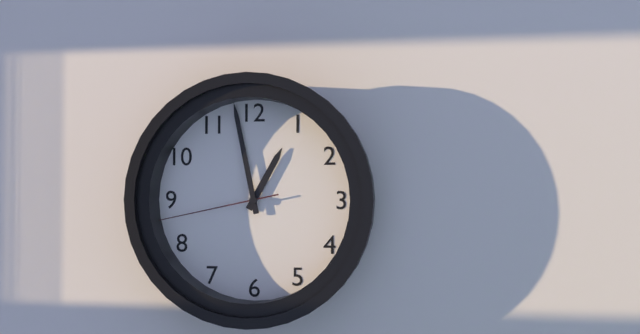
12 h 58 min 43 s
